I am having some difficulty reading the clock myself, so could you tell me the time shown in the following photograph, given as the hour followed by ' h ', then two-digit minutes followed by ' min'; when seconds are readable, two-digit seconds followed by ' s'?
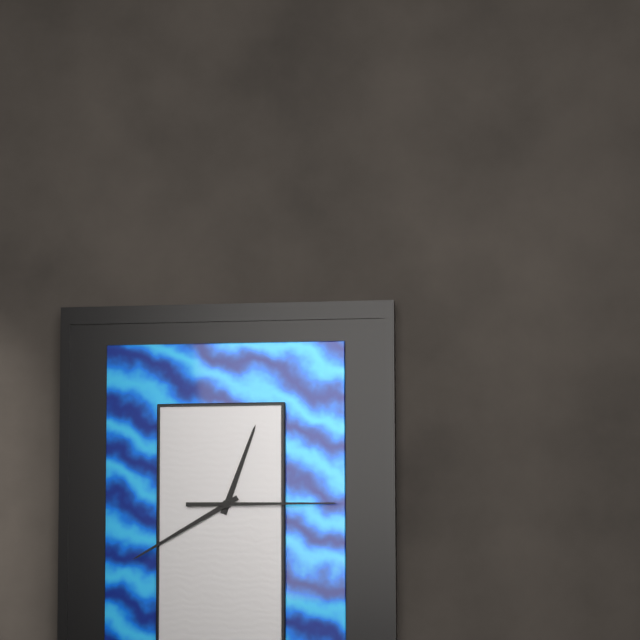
12 h 40 min 15 s
